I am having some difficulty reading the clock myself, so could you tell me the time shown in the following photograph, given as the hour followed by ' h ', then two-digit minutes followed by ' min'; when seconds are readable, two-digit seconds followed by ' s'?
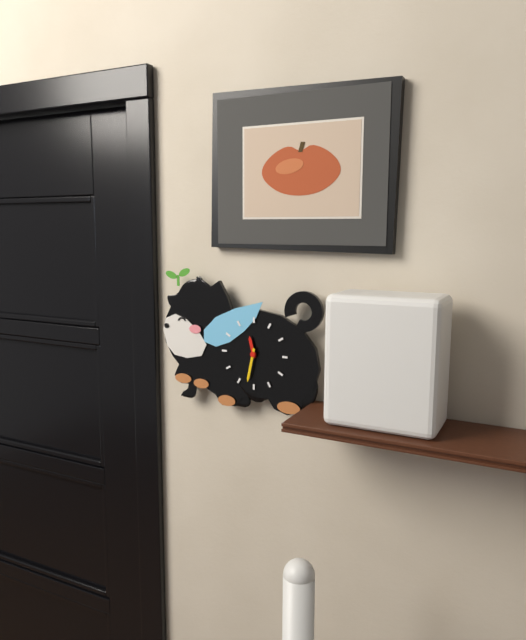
11 h 32 min
